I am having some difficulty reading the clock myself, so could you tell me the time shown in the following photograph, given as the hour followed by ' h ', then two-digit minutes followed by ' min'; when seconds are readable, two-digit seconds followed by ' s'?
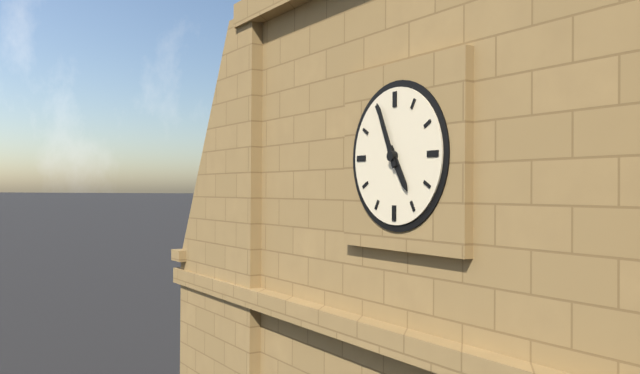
4 h 56 min
